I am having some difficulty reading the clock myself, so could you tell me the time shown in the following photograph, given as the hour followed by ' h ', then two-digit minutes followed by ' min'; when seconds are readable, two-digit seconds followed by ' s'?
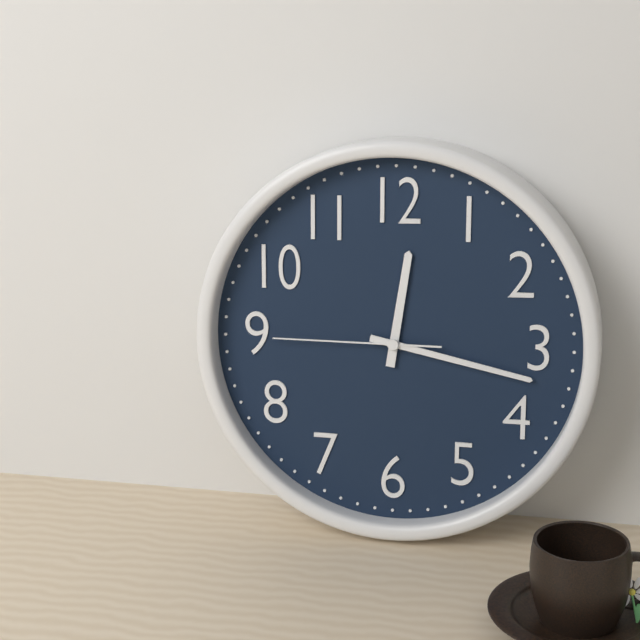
12 h 17 min 45 s
